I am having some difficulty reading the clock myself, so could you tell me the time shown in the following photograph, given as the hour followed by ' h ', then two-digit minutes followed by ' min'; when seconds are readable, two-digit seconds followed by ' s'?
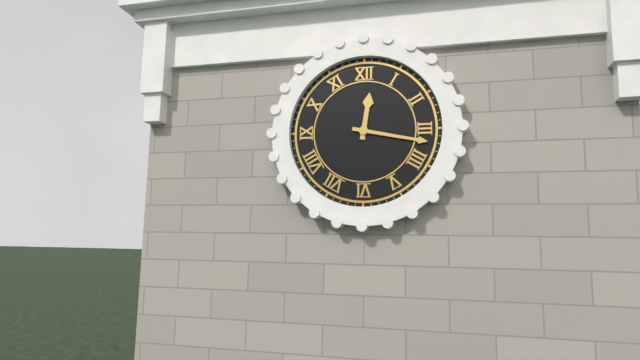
12 h 17 min
